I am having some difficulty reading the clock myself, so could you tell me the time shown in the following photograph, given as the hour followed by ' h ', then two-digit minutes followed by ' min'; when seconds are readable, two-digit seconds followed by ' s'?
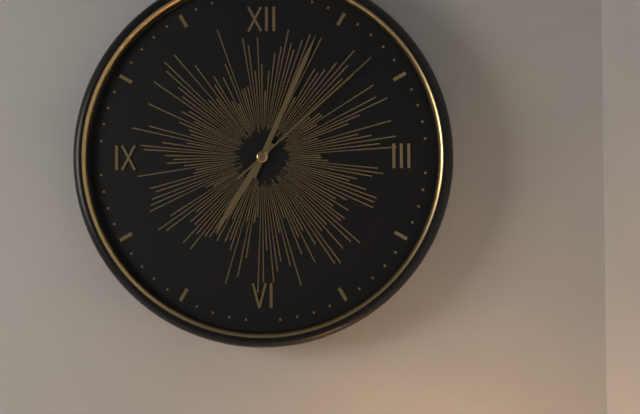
7 h 04 min 08 s
